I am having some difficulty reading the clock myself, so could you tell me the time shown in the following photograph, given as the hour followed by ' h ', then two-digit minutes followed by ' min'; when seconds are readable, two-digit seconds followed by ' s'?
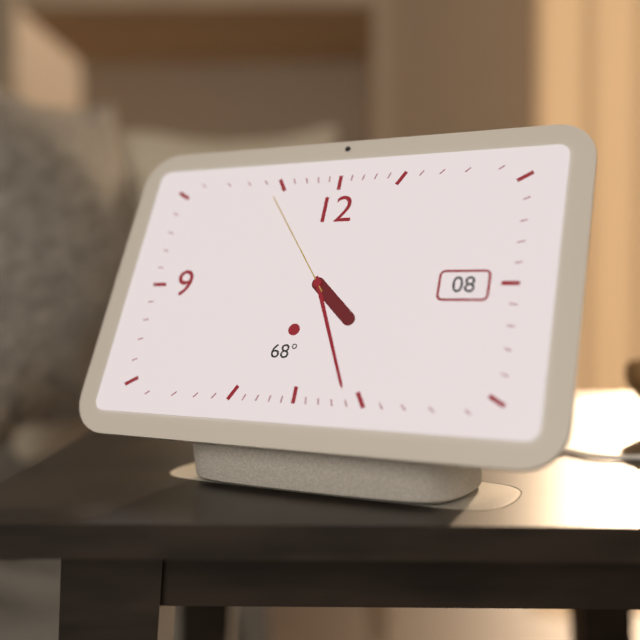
4 h 26 min 54 s
